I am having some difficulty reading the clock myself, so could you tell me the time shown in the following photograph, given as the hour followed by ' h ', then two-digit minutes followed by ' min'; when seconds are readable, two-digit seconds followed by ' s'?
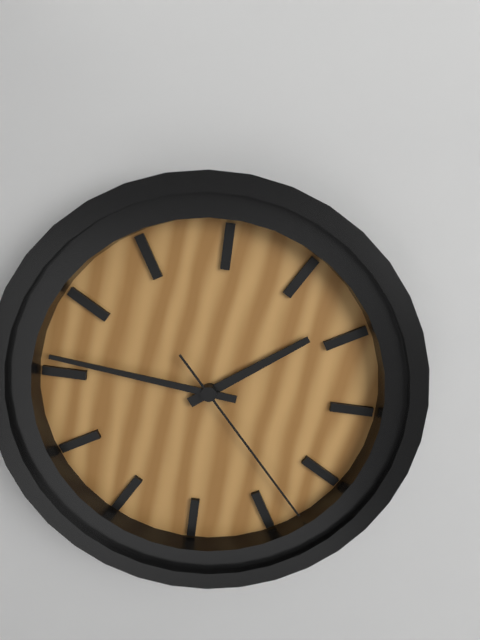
1 h 46 min 23 s
